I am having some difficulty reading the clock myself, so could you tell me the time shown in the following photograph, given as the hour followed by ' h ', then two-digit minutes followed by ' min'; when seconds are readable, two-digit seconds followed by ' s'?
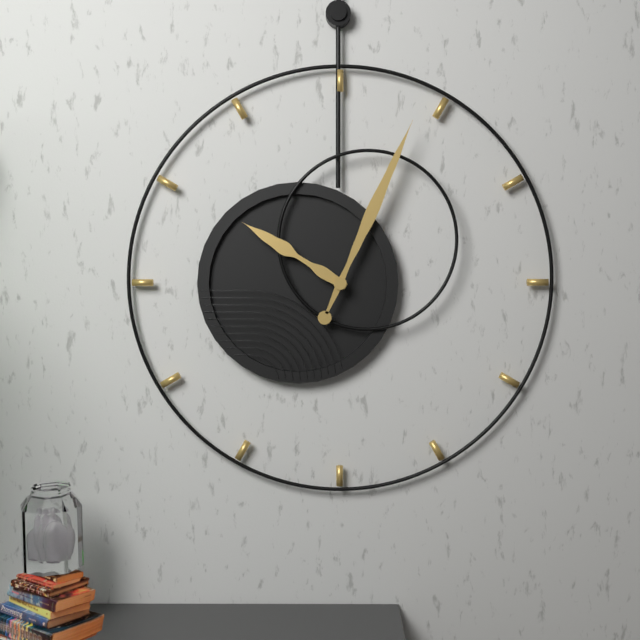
10 h 04 min
